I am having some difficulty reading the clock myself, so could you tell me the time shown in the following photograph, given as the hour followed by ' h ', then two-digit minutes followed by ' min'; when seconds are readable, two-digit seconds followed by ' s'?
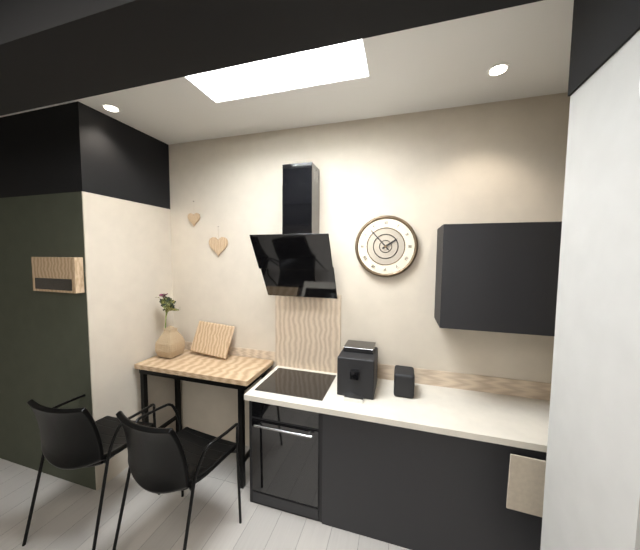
1 h 53 min
